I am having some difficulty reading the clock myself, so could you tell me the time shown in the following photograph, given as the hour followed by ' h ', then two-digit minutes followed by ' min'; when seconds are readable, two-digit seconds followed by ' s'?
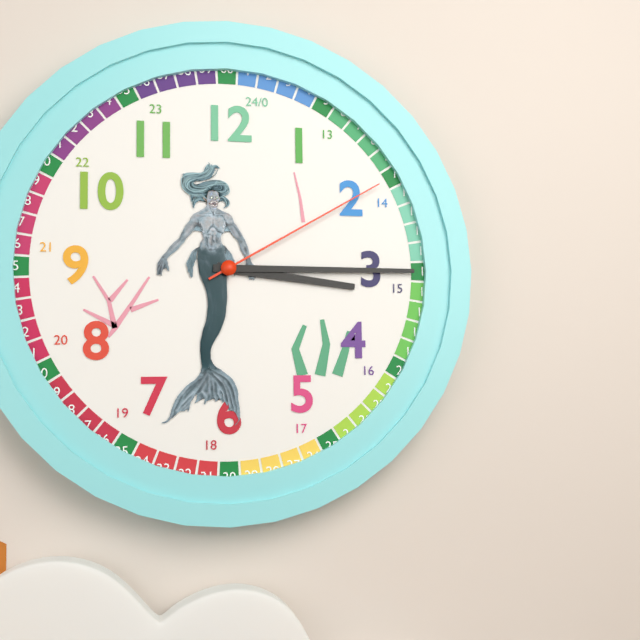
3 h 15 min 10 s
